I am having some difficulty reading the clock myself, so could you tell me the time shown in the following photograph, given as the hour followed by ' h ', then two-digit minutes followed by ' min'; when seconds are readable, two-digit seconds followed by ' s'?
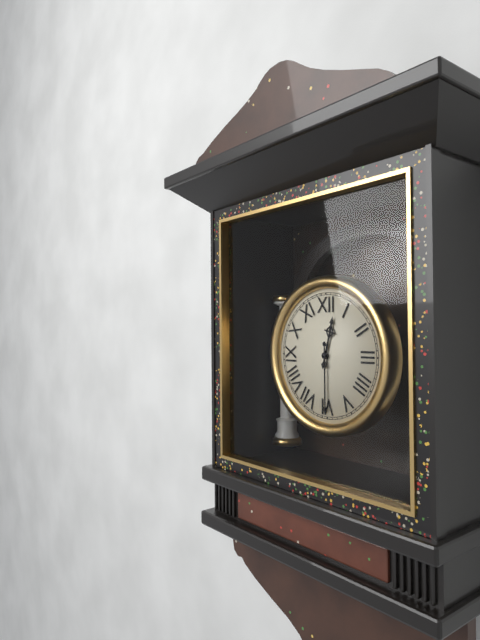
12 h 30 min
